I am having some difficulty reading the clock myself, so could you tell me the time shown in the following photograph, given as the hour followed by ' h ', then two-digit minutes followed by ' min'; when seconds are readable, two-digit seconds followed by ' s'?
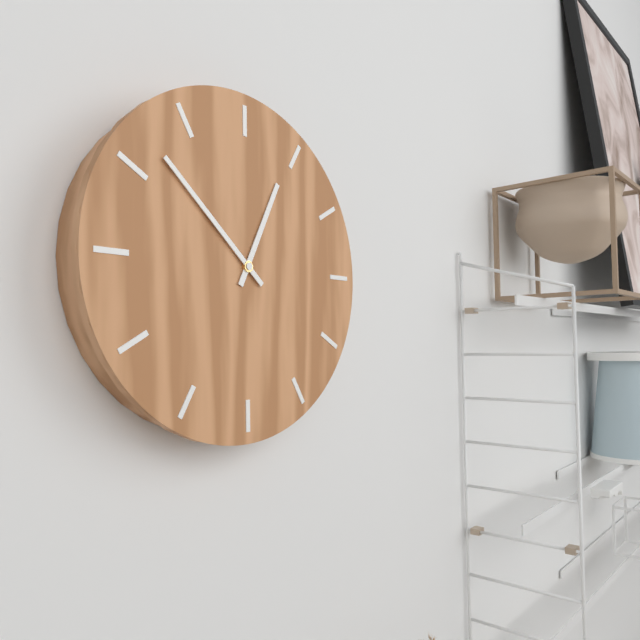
12 h 52 min
